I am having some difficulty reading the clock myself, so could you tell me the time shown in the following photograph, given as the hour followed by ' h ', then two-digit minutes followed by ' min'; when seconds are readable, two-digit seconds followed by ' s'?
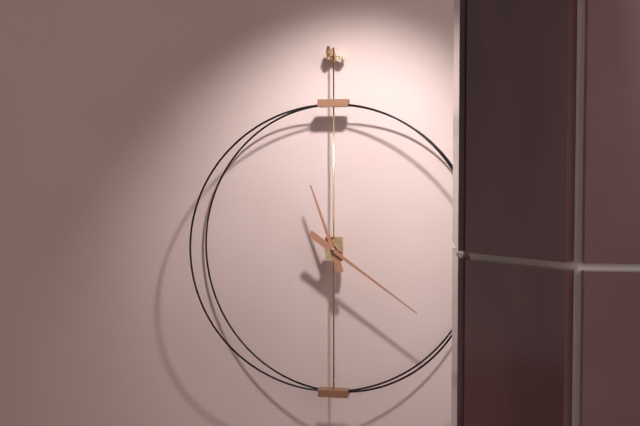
11 h 21 min
